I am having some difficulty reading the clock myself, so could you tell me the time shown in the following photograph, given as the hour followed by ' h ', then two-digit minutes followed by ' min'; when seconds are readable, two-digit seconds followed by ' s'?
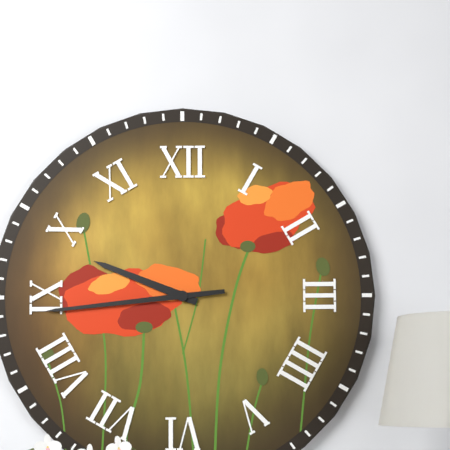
9 h 44 min
